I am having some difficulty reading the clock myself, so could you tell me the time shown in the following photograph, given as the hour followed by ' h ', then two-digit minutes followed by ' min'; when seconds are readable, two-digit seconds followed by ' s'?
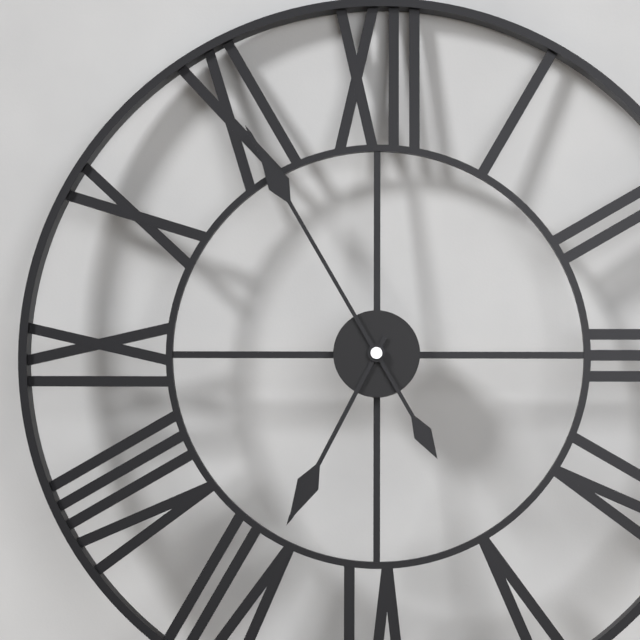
6 h 55 min
